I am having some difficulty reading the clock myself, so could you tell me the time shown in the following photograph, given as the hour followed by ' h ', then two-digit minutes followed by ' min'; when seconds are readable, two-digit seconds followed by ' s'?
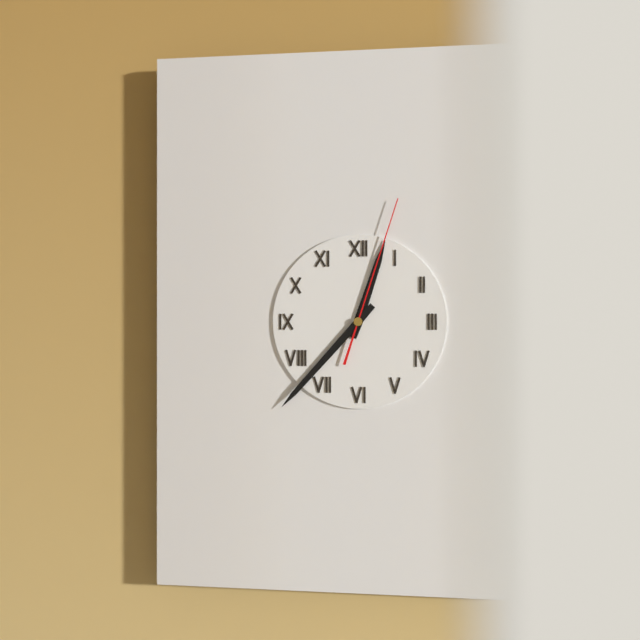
12 h 37 min 03 s
